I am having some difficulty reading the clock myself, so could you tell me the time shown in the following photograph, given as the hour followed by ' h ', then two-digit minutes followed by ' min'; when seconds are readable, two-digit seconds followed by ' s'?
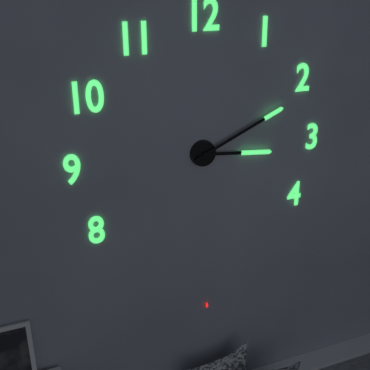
3 h 11 min
